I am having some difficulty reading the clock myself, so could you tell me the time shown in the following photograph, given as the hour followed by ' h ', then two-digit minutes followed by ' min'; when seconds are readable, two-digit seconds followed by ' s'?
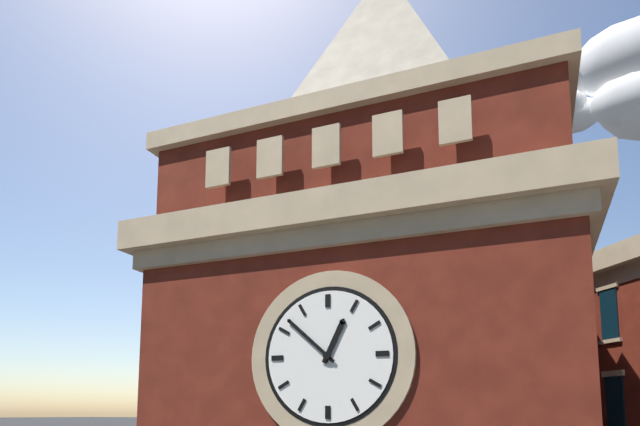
12 h 52 min
